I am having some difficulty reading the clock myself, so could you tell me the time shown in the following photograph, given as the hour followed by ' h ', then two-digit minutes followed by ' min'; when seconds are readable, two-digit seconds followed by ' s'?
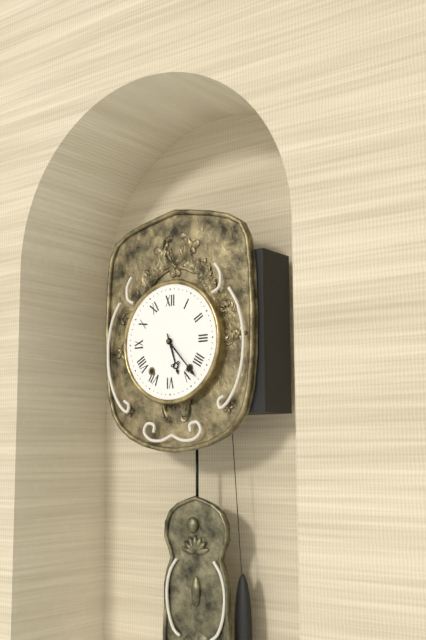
5 h 23 min
